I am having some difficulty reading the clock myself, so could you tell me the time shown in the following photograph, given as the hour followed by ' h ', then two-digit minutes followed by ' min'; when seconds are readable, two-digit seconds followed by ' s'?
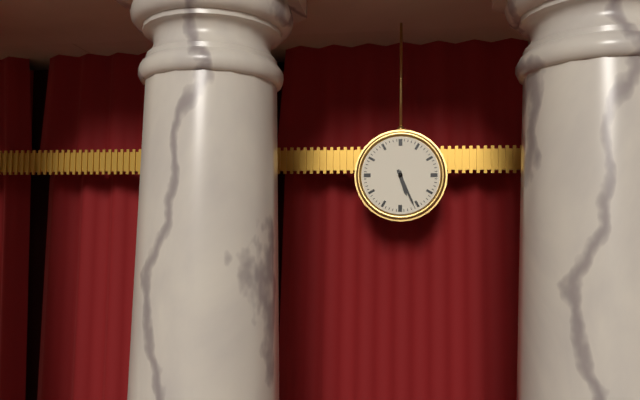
5 h 26 min
